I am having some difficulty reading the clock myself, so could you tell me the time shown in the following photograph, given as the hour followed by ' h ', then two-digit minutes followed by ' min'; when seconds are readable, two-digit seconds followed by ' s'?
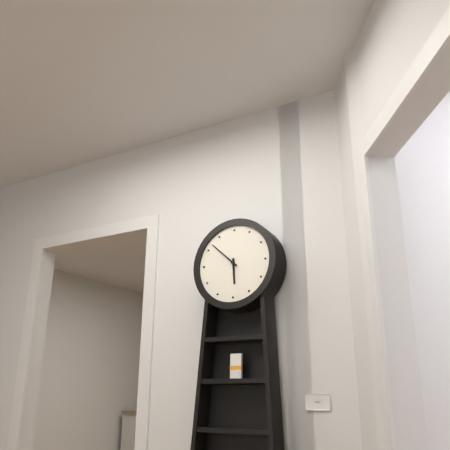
5 h 52 min
